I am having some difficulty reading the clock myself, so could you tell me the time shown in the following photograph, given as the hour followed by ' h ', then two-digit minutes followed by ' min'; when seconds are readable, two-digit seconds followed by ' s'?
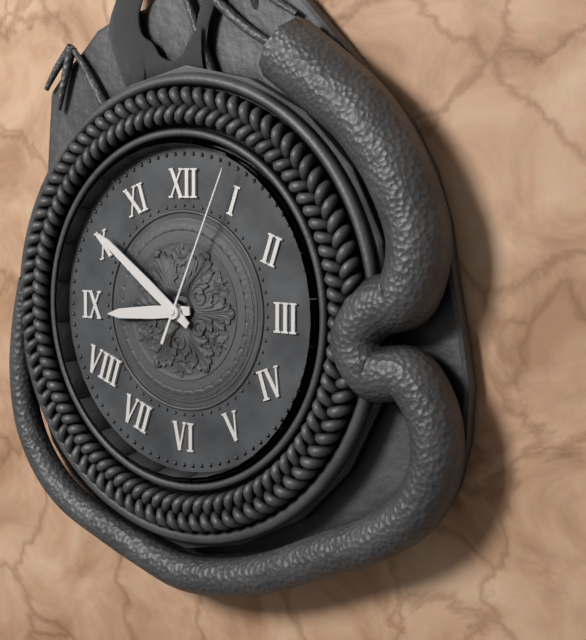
8 h 51 min 04 s
